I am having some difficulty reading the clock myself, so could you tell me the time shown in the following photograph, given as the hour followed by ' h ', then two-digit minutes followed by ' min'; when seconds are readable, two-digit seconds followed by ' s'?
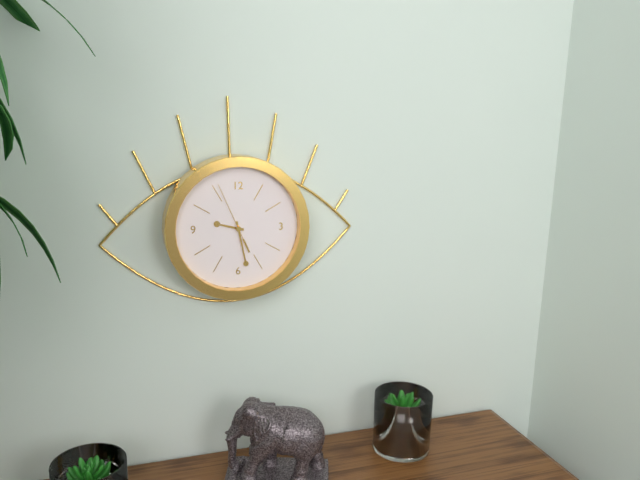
9 h 28 min 56 s
